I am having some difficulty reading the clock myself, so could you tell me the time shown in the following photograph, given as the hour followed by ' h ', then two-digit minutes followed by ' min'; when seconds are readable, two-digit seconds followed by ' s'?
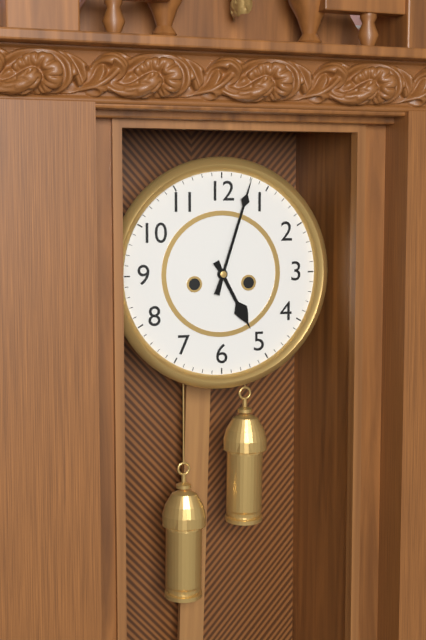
5 h 03 min
